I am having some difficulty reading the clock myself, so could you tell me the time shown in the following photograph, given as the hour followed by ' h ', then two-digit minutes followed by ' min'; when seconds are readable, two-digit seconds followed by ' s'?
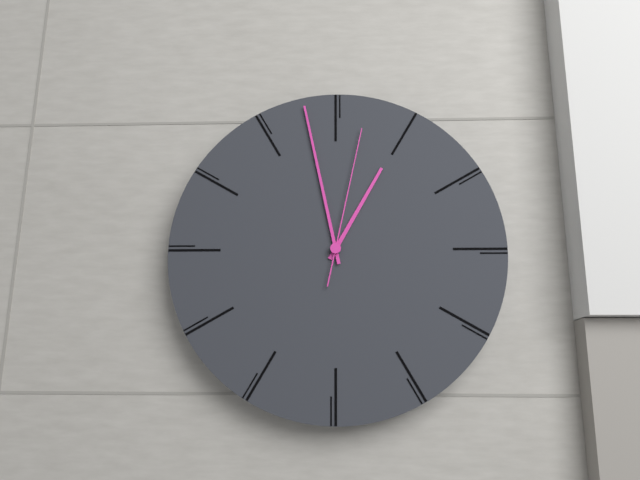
12 h 58 min 02 s
